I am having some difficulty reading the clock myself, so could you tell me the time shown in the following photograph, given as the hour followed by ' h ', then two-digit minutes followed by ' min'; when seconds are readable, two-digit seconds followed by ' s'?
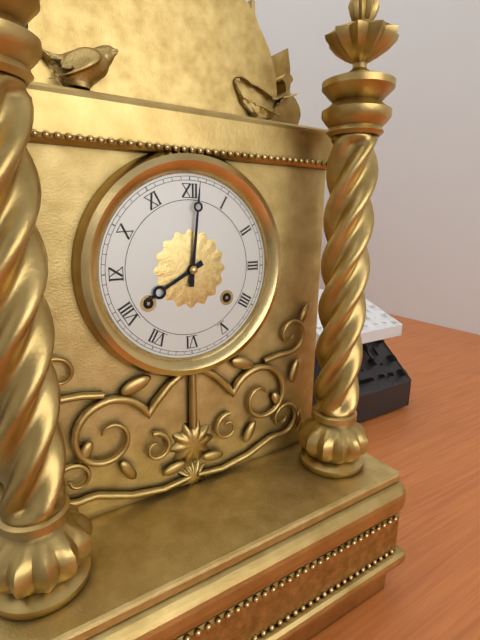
8 h 01 min
